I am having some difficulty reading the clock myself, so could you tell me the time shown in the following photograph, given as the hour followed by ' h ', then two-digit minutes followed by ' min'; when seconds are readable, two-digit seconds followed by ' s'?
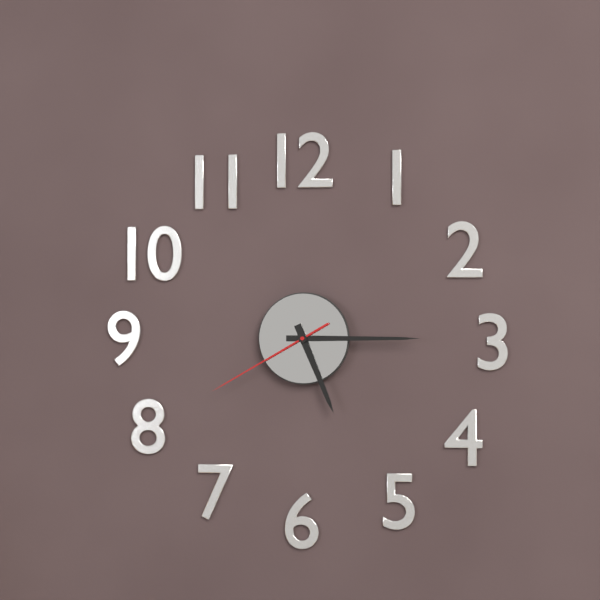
5 h 15 min 40 s
